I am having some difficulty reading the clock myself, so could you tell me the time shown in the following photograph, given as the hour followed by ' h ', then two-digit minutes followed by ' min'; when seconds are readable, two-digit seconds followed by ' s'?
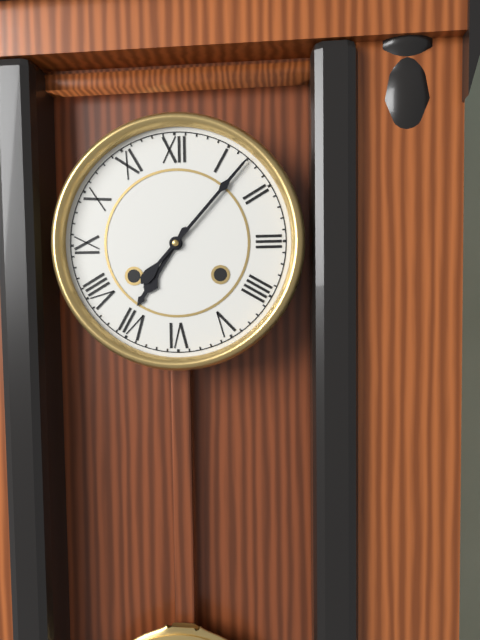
7 h 07 min
